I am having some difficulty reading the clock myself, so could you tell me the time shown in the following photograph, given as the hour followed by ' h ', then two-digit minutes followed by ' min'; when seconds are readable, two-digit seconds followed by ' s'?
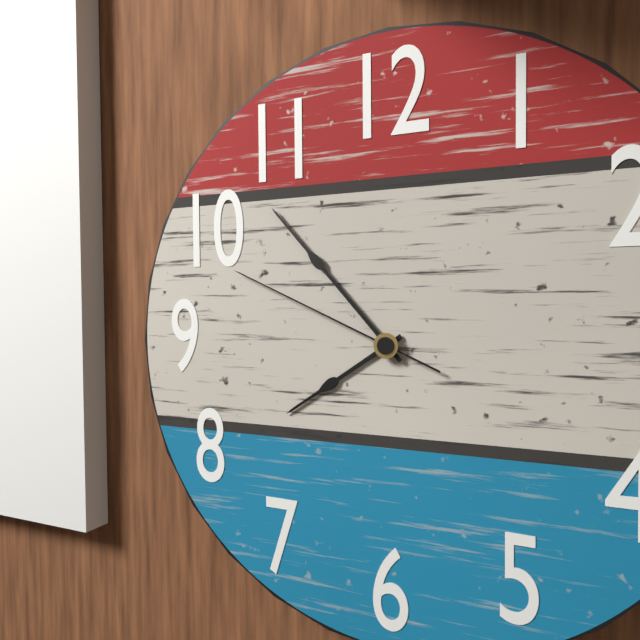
7 h 53 min 49 s
